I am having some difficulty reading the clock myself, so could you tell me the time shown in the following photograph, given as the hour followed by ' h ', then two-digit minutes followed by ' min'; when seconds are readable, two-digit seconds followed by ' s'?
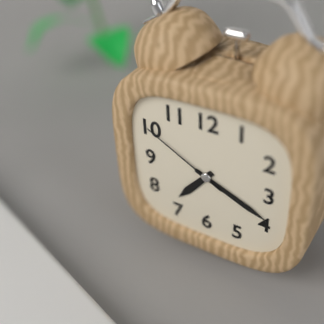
7 h 19 min 50 s
